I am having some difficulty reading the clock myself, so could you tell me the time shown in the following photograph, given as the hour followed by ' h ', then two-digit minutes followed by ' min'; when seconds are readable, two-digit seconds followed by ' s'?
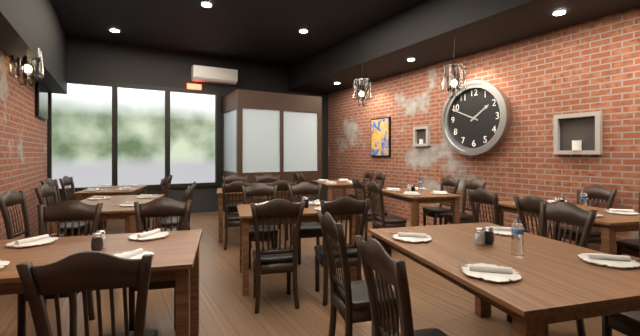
1 h 49 min
